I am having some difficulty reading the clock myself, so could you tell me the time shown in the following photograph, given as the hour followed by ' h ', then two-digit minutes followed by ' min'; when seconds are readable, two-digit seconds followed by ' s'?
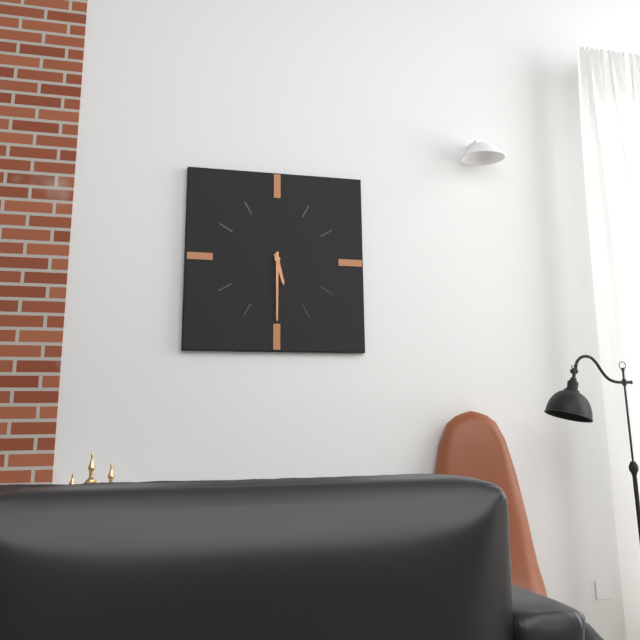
5 h 30 min
